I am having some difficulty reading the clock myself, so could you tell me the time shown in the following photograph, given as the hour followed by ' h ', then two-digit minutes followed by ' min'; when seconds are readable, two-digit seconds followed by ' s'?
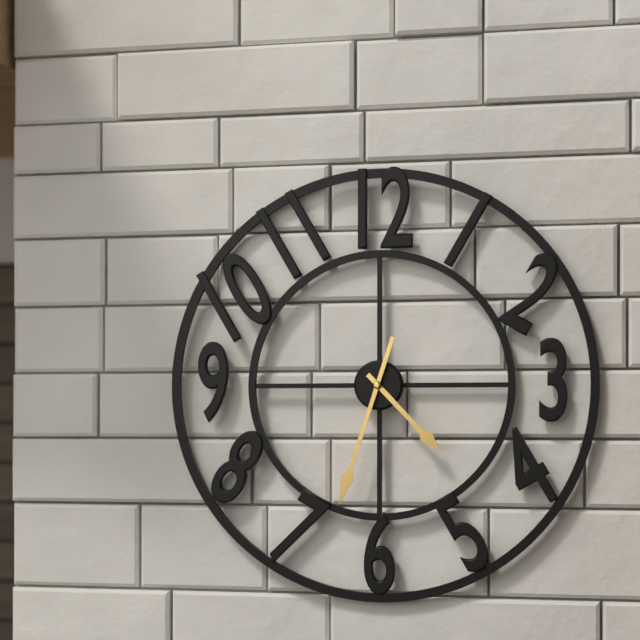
4 h 33 min
